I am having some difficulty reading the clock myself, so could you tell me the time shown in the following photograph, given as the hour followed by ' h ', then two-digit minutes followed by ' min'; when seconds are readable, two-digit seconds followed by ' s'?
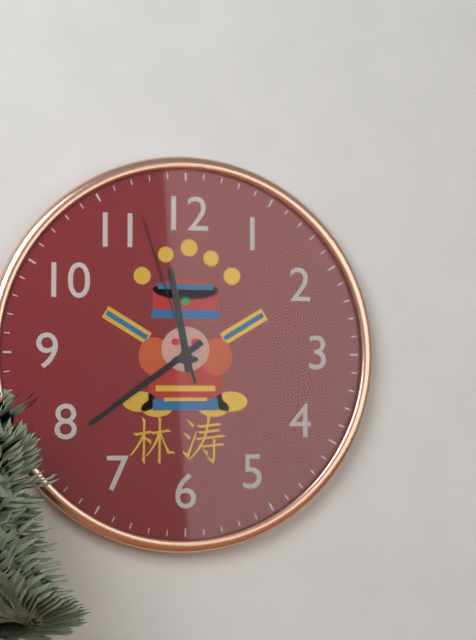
11 h 39 min 57 s
